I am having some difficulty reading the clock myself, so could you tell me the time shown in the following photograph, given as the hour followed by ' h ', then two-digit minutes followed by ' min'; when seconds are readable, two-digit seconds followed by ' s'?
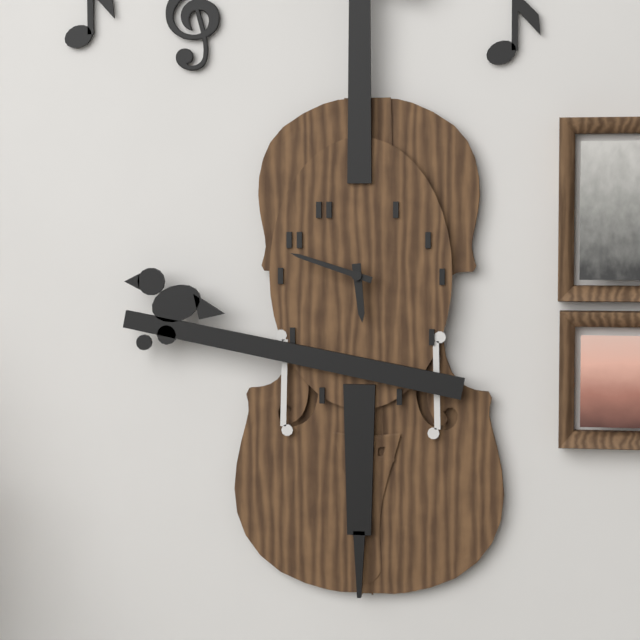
5 h 48 min
